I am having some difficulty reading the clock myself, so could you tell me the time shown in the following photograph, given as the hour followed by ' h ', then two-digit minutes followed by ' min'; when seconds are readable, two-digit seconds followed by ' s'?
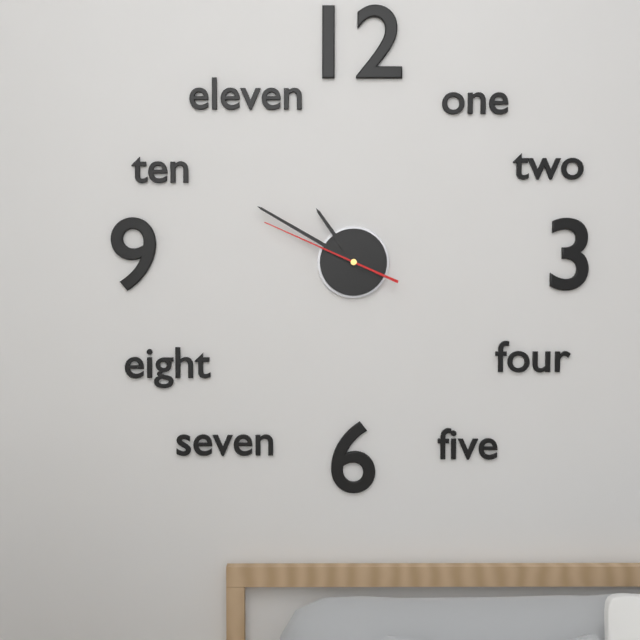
10 h 50 min 49 s
